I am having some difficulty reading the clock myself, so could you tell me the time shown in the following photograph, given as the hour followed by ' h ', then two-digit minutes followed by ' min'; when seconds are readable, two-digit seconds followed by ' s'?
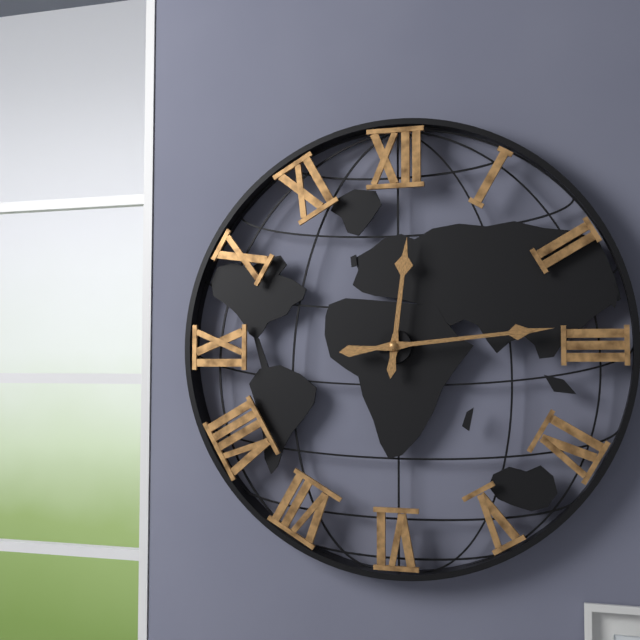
12 h 14 min
